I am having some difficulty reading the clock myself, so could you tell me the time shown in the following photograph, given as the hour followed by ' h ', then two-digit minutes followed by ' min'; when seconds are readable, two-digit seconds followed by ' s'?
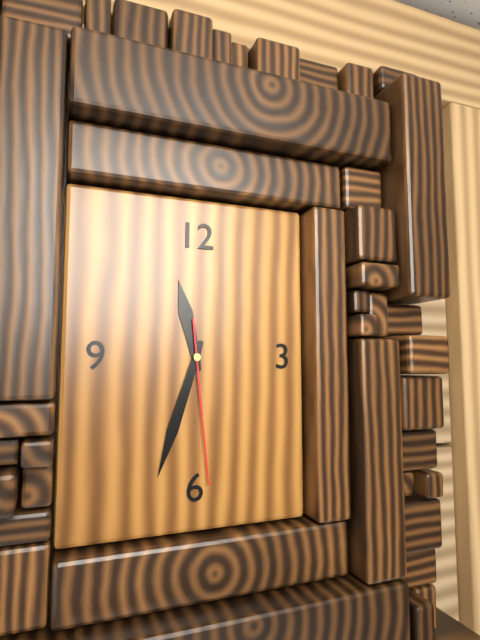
11 h 33 min 29 s
